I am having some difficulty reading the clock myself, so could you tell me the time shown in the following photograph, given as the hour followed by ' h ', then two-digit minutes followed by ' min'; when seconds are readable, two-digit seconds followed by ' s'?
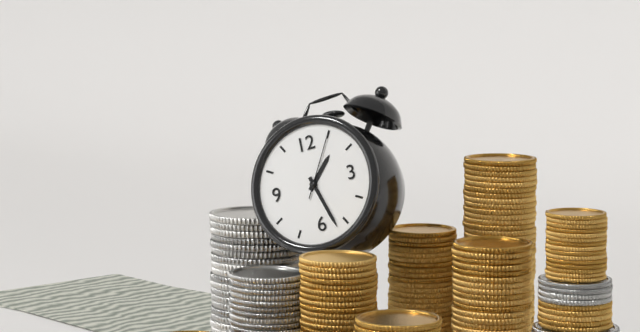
1 h 27 min 05 s
